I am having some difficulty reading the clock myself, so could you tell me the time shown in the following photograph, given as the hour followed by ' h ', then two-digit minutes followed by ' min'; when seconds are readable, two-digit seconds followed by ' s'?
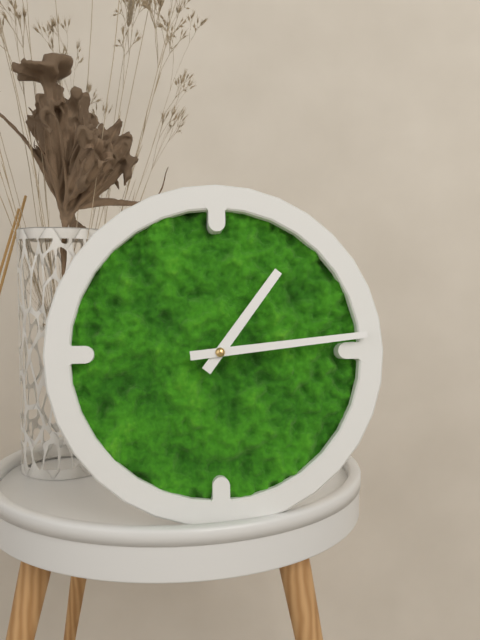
1 h 14 min
